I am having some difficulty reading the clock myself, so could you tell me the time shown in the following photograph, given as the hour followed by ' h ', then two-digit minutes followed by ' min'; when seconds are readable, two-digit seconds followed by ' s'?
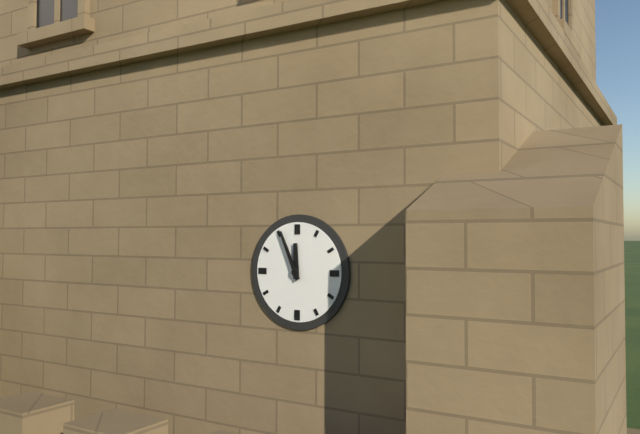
11 h 56 min
